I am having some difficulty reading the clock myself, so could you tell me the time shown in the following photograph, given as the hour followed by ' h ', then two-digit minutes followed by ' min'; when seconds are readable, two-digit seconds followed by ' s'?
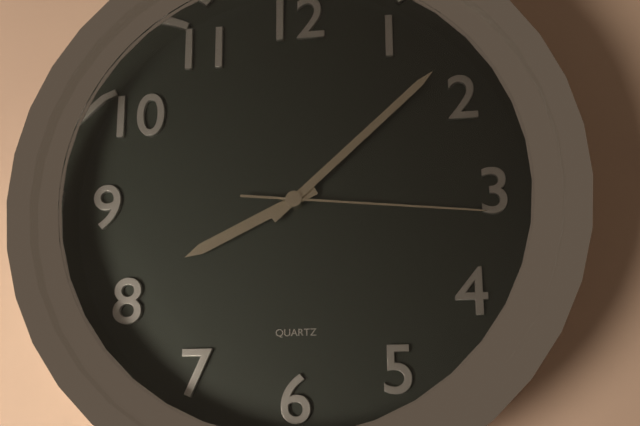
8 h 08 min 16 s
